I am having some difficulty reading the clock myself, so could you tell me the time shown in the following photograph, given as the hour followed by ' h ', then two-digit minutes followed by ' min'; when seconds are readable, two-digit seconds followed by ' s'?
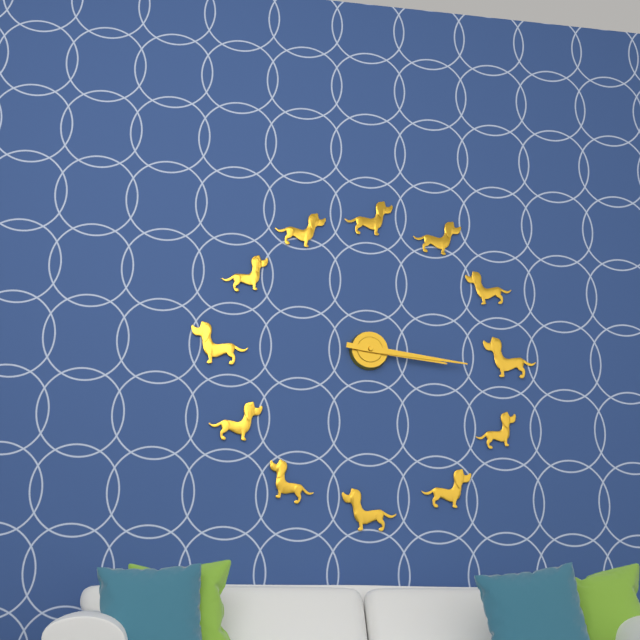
3 h 16 min
